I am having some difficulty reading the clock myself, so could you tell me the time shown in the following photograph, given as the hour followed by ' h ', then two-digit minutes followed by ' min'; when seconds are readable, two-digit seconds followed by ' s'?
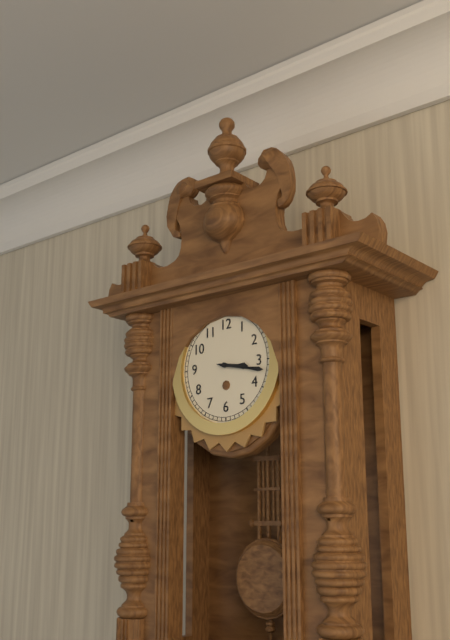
3 h 17 min
